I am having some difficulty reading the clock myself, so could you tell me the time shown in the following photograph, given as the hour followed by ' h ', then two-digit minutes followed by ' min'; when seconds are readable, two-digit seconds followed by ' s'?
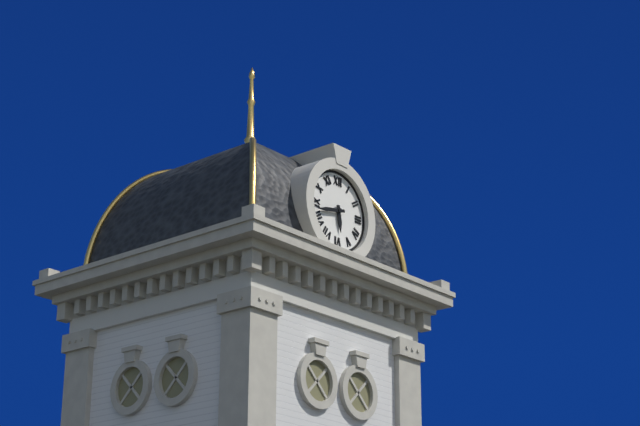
5 h 43 min
